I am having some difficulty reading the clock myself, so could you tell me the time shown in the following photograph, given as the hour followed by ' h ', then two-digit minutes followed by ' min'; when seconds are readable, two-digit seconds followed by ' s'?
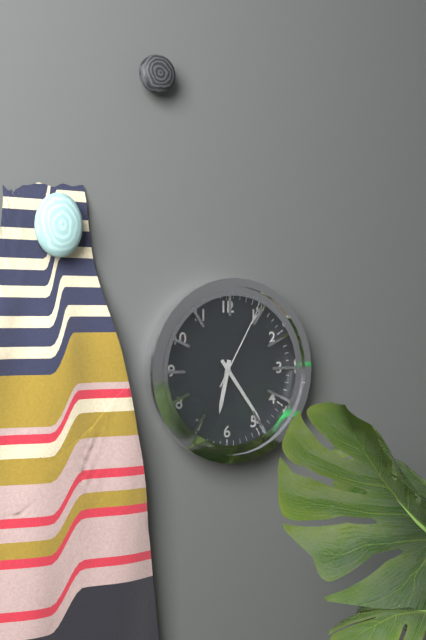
6 h 24 min 05 s
